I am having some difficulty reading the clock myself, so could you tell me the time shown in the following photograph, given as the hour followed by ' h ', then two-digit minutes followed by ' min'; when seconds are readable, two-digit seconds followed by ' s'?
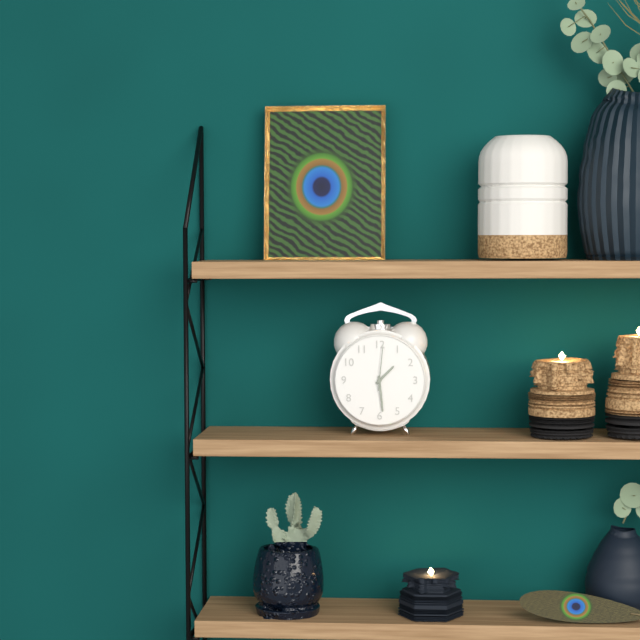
1 h 29 min
